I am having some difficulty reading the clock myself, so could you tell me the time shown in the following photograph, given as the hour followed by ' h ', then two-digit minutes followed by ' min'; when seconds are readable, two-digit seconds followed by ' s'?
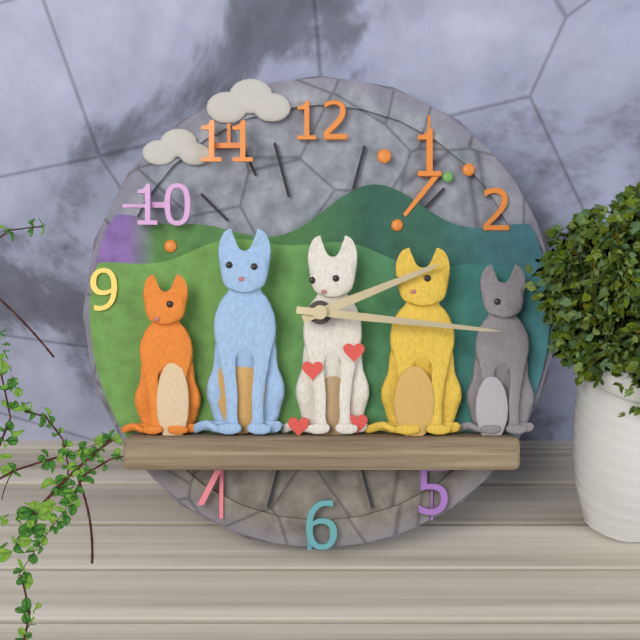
2 h 16 min
